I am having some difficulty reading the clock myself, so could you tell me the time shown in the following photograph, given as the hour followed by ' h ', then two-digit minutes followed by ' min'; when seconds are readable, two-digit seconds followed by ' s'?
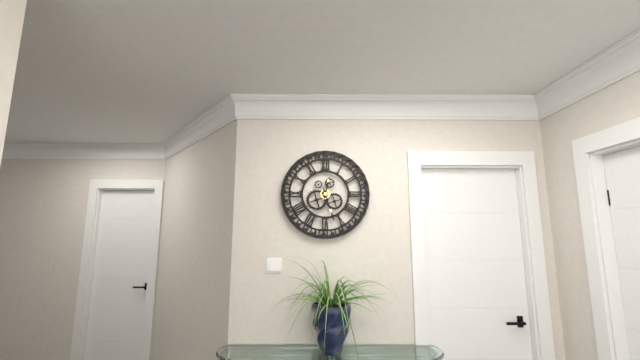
12 h 27 min
